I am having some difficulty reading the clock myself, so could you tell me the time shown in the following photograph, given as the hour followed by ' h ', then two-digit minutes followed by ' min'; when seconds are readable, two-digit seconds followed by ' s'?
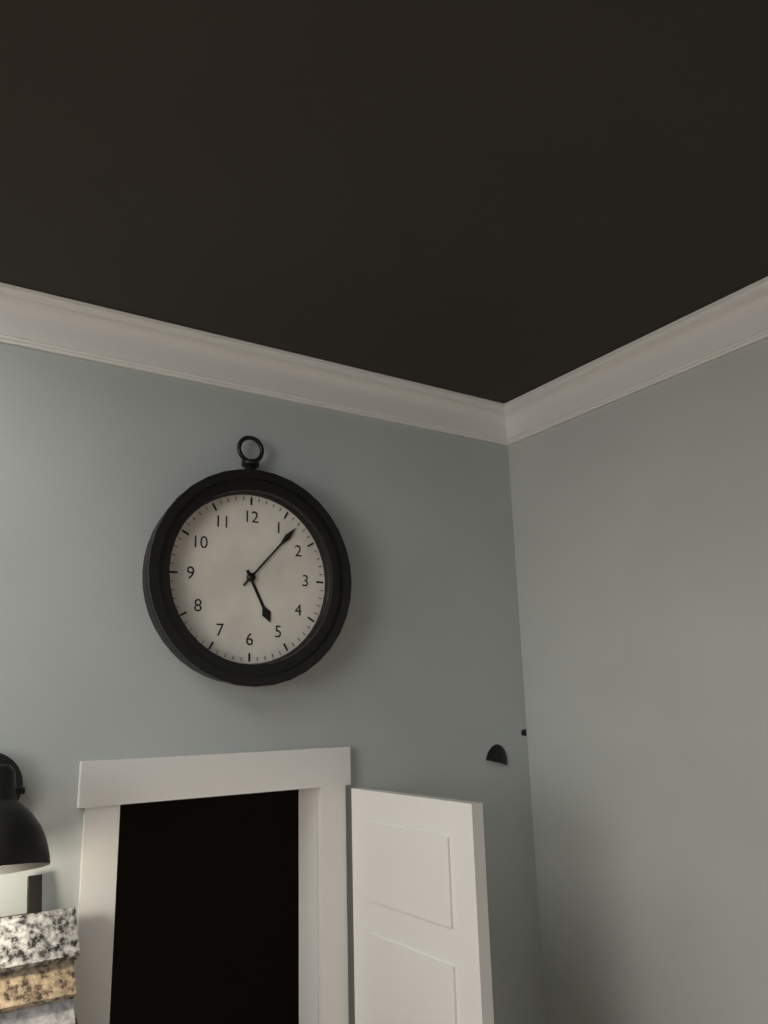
5 h 07 min
